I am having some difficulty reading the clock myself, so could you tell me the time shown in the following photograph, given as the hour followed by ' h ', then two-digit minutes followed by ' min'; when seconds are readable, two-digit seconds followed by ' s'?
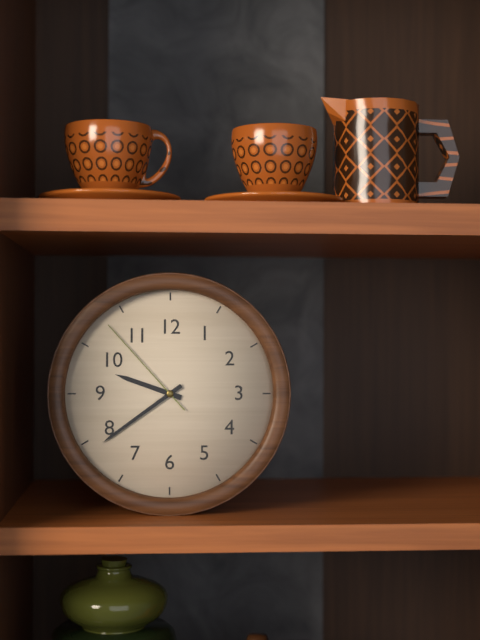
9 h 39 min 53 s
